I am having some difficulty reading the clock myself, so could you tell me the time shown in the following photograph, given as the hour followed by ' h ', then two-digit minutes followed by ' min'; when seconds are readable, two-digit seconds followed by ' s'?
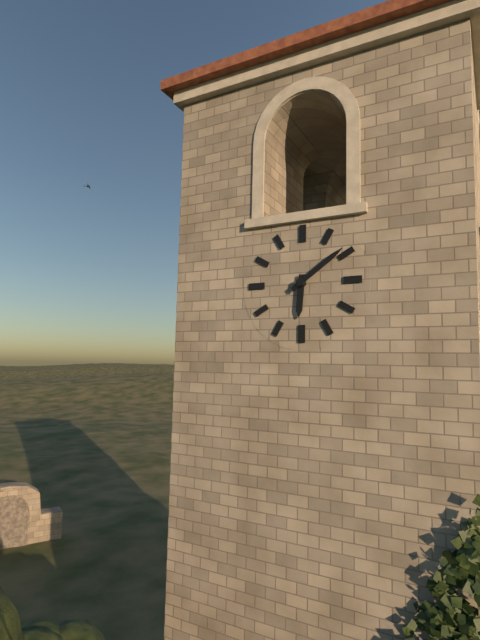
6 h 09 min
